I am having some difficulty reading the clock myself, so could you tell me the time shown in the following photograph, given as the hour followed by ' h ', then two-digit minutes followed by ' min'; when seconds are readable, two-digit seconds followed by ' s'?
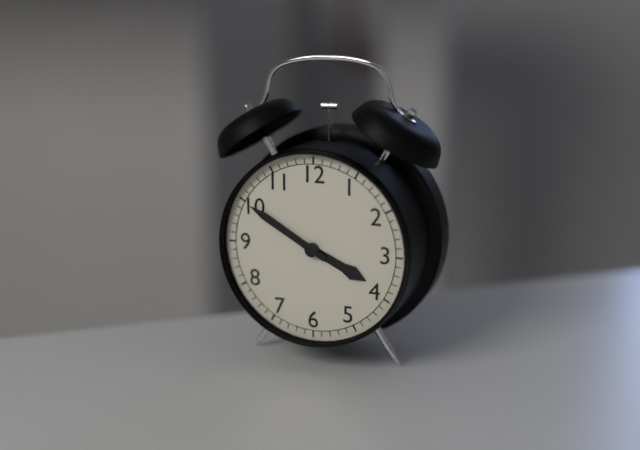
3 h 50 min
